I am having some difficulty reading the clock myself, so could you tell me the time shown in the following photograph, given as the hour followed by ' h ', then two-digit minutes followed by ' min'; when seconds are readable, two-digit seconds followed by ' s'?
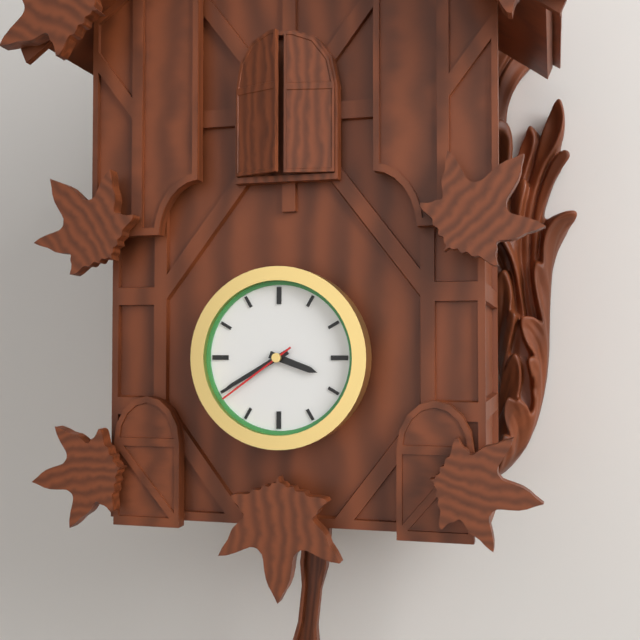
3 h 40 min 39 s
